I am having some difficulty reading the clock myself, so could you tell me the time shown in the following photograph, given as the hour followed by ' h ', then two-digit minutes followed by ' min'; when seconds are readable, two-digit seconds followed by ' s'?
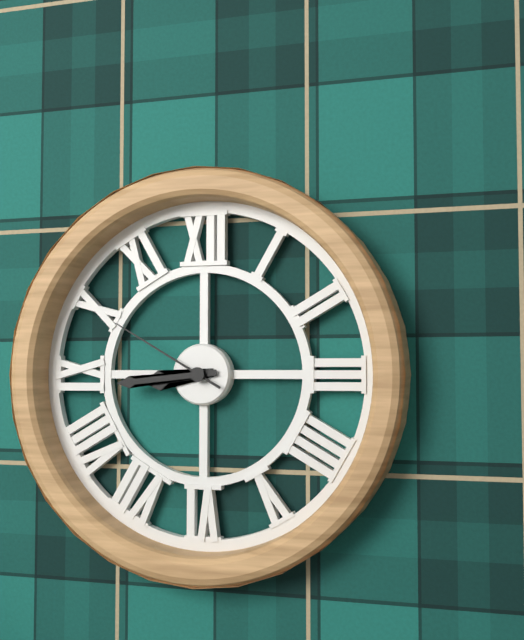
8 h 44 min 50 s
